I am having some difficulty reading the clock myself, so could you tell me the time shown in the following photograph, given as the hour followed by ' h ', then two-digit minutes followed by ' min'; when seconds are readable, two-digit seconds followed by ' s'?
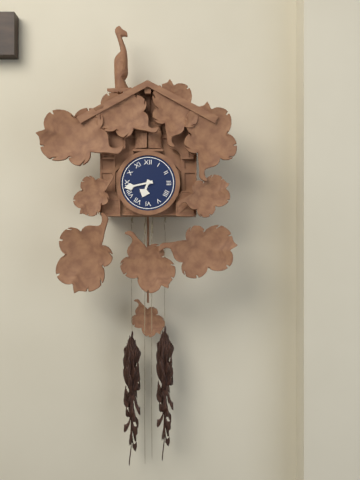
6 h 43 min
